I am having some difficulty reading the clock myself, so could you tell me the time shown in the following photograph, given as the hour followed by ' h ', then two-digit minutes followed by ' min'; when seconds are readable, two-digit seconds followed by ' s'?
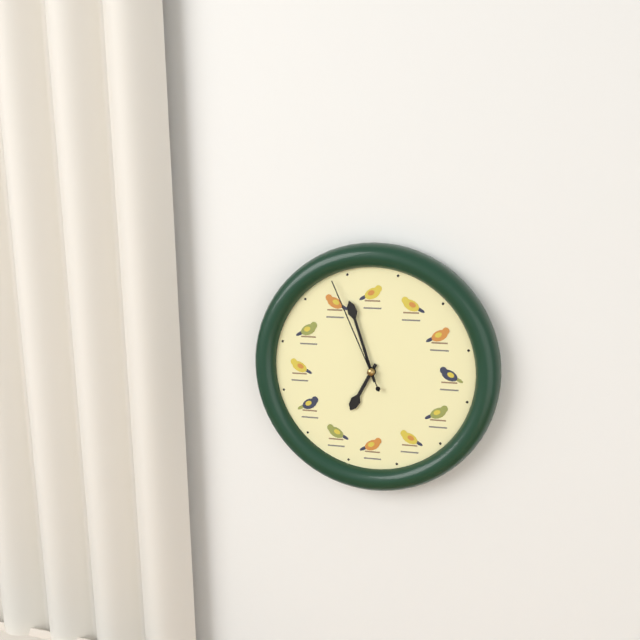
6 h 57 min 56 s
